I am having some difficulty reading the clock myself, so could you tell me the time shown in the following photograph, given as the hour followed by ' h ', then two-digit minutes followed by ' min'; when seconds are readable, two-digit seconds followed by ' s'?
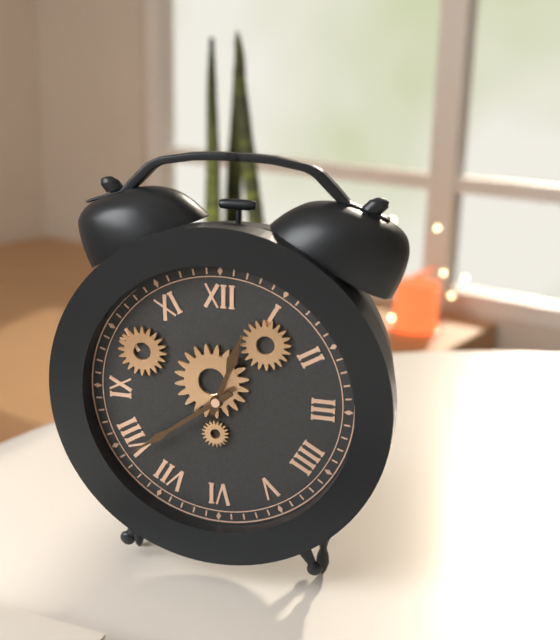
12 h 39 min
